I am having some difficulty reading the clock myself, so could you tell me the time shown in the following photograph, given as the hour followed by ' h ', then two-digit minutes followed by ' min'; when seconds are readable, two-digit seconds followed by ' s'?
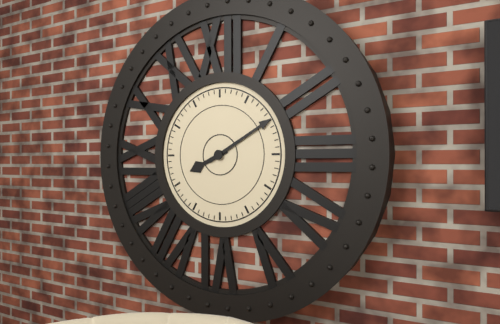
8 h 10 min
